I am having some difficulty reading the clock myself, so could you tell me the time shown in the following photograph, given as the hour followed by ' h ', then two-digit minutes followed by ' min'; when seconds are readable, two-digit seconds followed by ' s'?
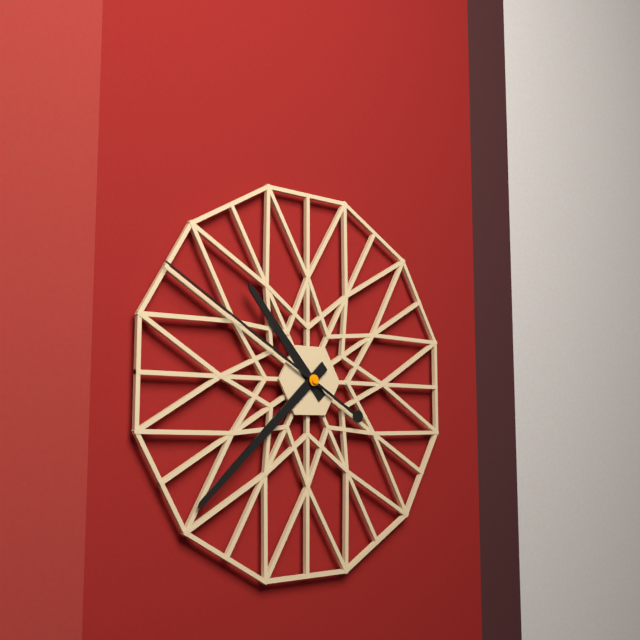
10 h 38 min 50 s
